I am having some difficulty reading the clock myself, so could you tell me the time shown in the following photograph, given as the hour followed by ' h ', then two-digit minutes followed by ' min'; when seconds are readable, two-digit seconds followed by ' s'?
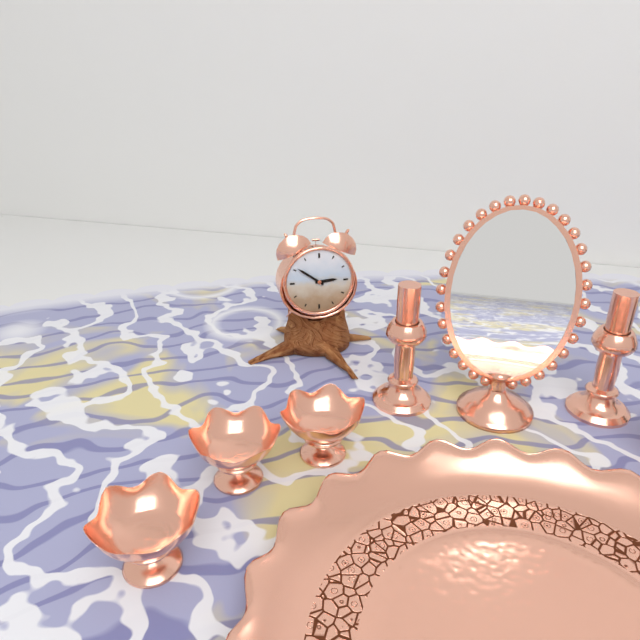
2 h 51 min
